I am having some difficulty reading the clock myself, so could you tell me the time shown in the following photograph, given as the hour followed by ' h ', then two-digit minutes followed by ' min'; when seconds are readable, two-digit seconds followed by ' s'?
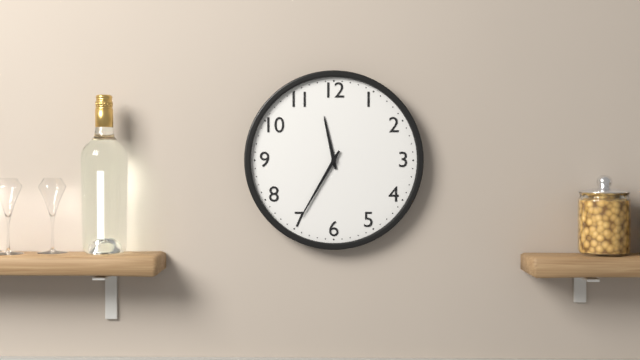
11 h 35 min
